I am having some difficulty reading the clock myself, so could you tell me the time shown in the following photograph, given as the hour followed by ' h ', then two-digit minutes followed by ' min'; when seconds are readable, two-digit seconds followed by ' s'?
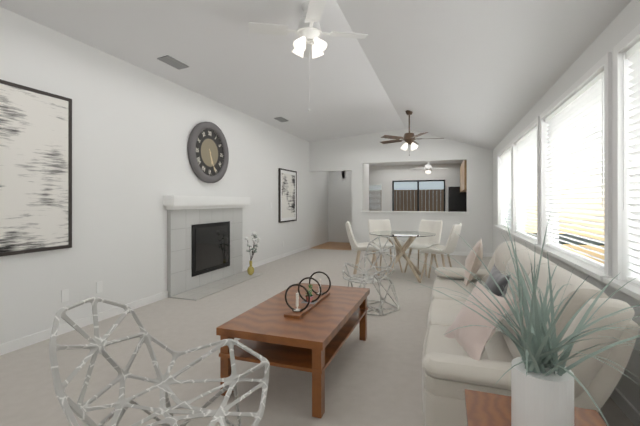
5 h 26 min
